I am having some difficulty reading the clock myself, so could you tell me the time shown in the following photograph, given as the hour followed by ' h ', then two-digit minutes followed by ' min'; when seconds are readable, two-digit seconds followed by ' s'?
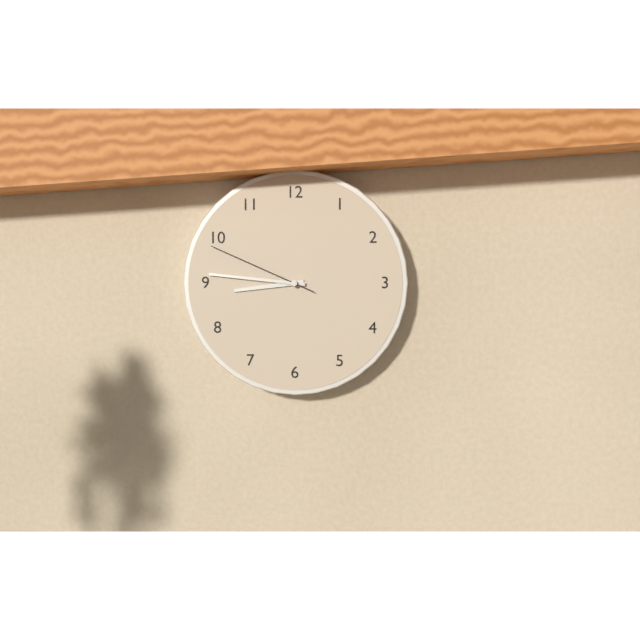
8 h 46 min 49 s
